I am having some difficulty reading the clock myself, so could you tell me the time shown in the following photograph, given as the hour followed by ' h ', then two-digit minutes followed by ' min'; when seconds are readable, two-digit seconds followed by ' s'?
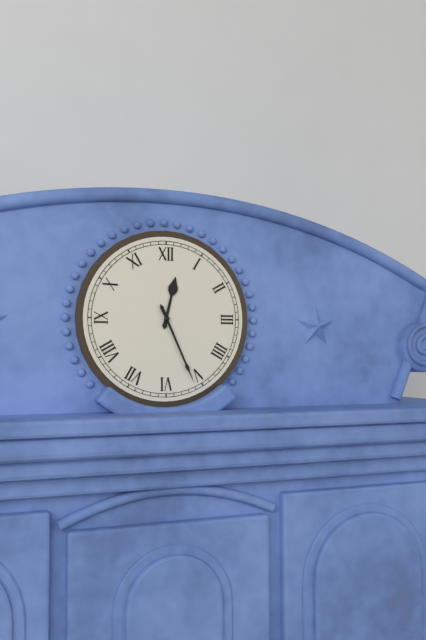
12 h 26 min
